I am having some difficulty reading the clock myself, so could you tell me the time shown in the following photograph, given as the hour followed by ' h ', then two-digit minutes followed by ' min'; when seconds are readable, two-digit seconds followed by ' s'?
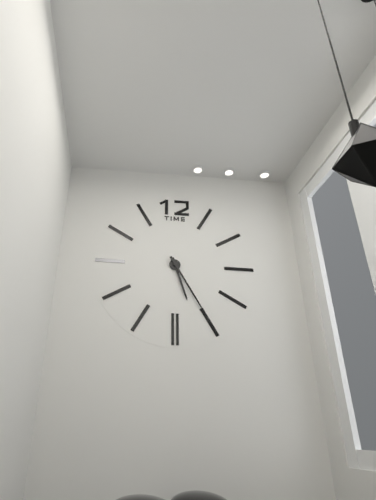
5 h 25 min
